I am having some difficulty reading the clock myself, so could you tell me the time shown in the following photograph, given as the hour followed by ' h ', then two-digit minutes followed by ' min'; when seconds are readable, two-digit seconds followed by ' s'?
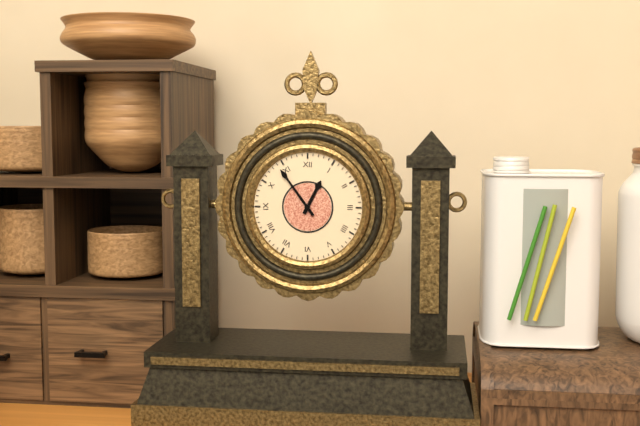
12 h 54 min
